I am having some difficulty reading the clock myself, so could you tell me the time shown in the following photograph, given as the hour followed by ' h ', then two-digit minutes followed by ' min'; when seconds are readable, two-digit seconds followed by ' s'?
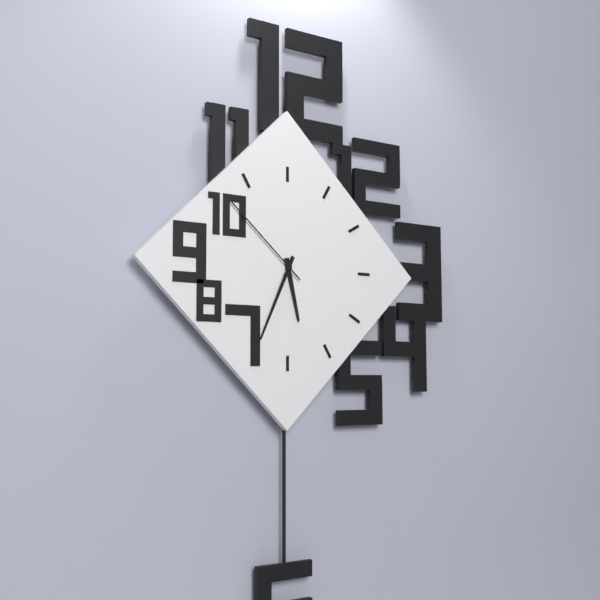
5 h 34 min 52 s
